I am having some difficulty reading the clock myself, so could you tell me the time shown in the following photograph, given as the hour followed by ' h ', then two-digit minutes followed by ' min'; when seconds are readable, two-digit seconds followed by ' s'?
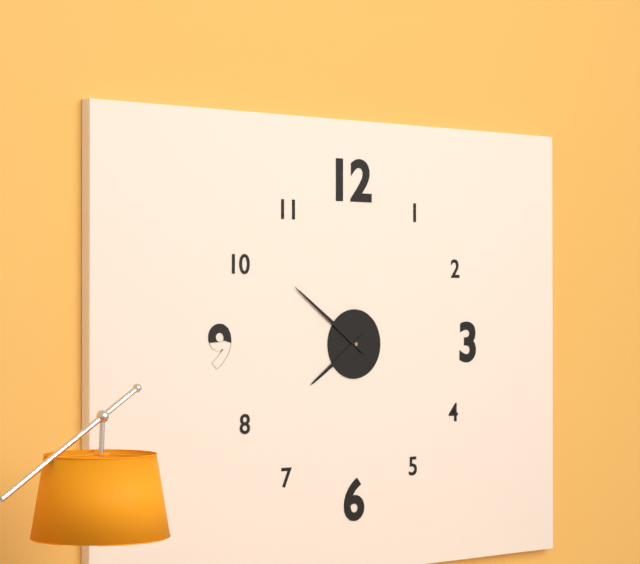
7 h 51 min
